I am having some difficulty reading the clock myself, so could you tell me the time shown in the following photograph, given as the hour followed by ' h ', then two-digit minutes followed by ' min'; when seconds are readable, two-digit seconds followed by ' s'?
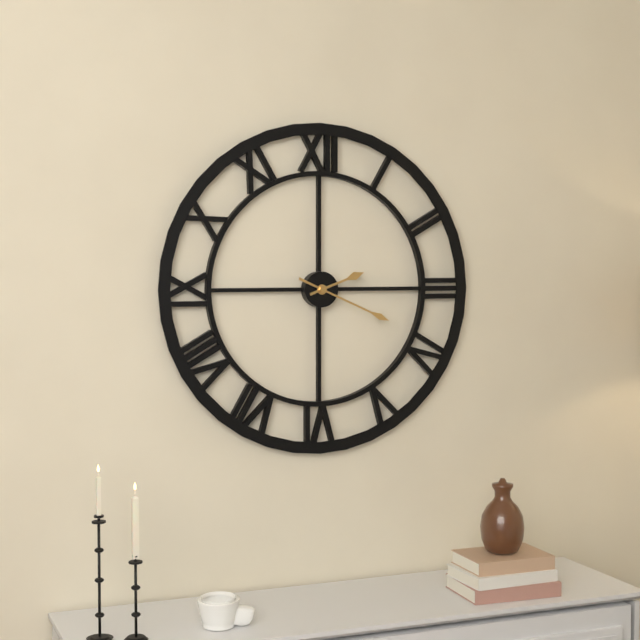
2 h 19 min
